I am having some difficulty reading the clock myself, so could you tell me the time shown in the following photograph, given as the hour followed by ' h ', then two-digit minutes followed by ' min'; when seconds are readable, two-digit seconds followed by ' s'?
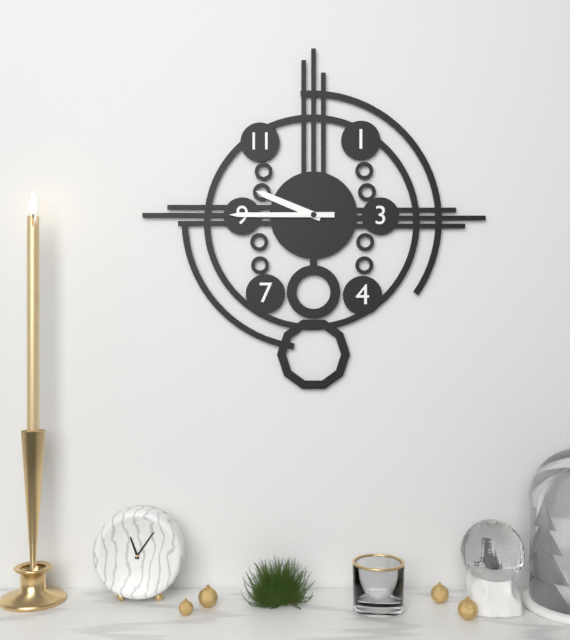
9 h 45 min
